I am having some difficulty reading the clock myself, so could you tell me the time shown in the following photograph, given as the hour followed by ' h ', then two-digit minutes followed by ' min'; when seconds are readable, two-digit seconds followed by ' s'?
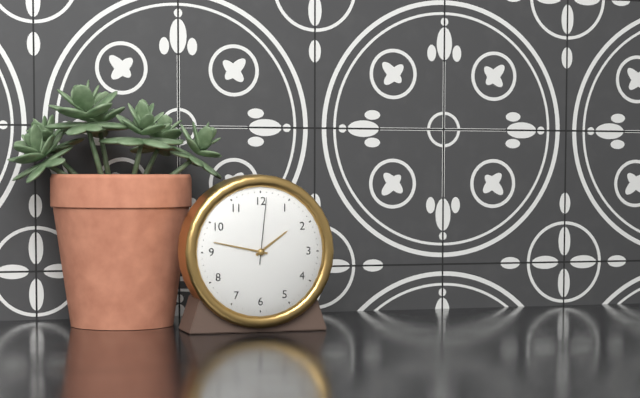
1 h 47 min 01 s
